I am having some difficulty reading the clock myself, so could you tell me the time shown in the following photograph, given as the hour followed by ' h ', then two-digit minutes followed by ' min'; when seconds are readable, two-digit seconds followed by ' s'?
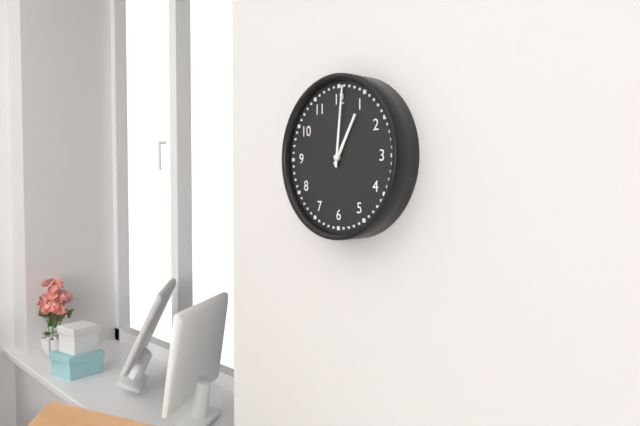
1 h 01 min
